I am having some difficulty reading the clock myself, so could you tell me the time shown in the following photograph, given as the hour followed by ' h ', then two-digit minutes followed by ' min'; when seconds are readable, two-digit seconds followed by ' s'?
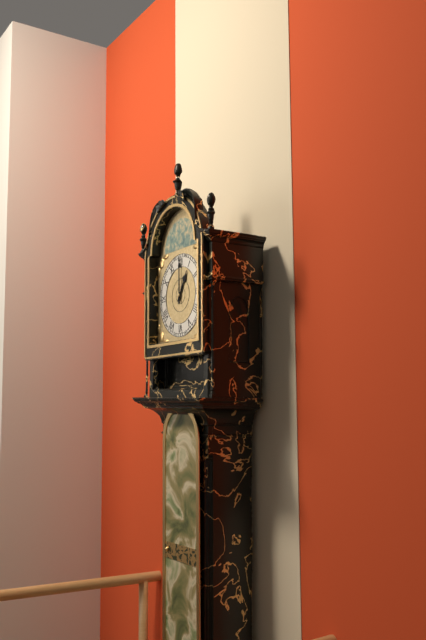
1 h 00 min
